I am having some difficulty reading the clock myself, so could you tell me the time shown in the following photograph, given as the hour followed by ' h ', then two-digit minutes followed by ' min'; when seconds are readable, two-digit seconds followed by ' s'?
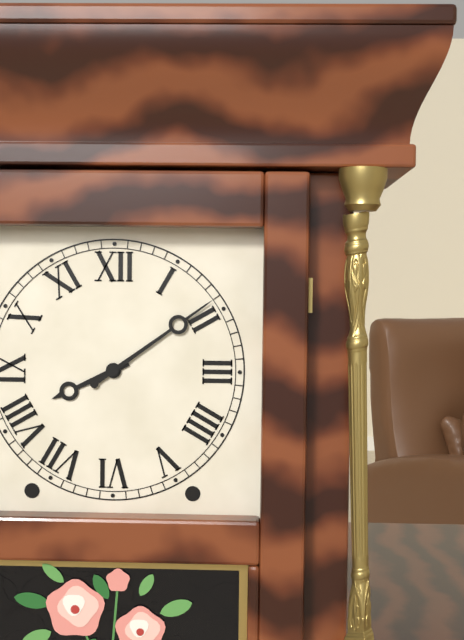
8 h 09 min
